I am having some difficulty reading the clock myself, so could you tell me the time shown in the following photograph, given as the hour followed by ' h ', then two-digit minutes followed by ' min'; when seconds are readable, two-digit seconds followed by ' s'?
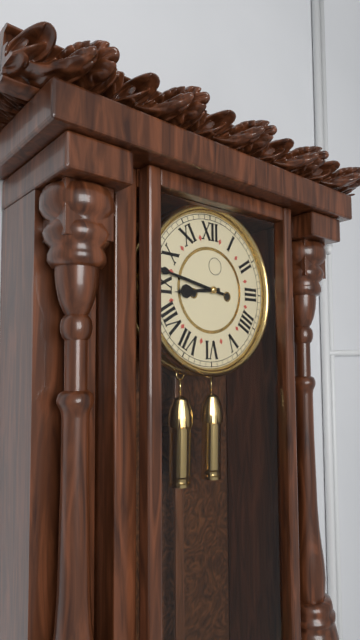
8 h 47 min
